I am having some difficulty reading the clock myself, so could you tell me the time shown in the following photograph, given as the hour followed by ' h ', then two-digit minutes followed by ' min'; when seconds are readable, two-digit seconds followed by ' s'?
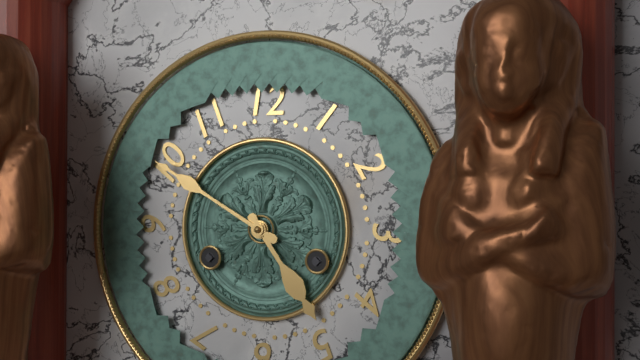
4 h 50 min
